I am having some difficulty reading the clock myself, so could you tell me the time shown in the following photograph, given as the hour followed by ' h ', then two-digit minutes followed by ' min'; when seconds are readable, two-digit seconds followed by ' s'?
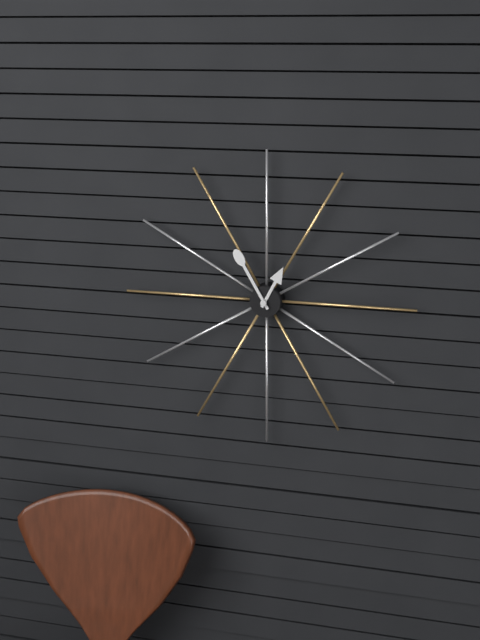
12 h 55 min
